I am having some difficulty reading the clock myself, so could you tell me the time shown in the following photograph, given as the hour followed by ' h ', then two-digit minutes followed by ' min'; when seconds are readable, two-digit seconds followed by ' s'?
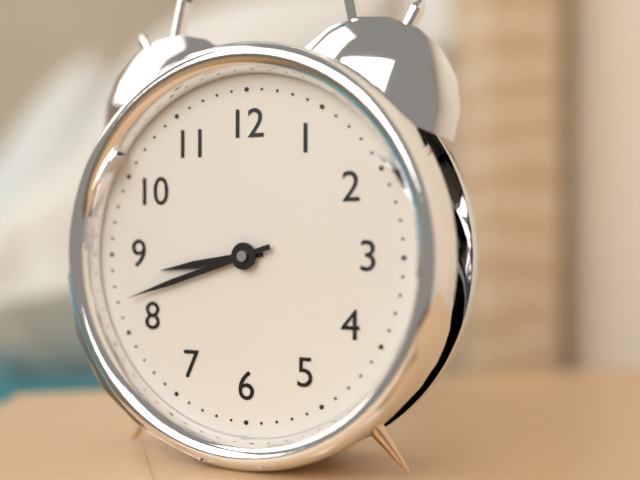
8 h 42 min
